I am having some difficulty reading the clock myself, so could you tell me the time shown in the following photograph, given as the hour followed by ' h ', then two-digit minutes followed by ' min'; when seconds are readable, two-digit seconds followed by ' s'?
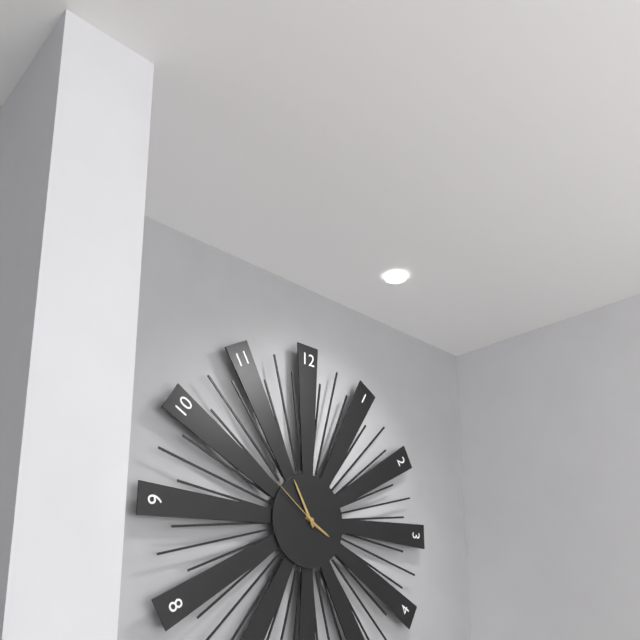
3 h 55 min 51 s
